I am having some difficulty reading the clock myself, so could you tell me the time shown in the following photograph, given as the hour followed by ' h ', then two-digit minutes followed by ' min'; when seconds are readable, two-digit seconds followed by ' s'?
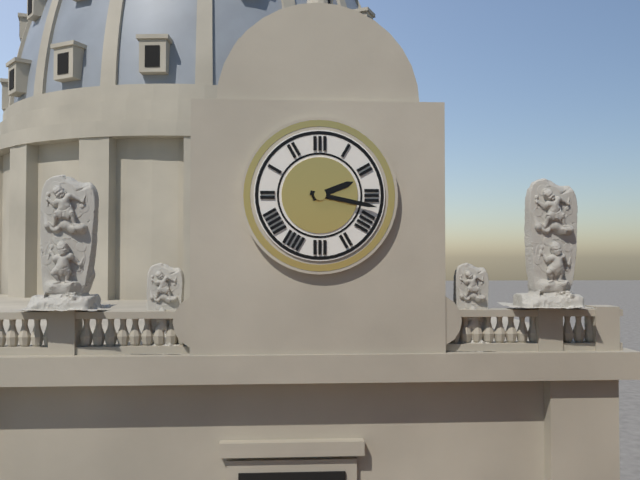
2 h 17 min
